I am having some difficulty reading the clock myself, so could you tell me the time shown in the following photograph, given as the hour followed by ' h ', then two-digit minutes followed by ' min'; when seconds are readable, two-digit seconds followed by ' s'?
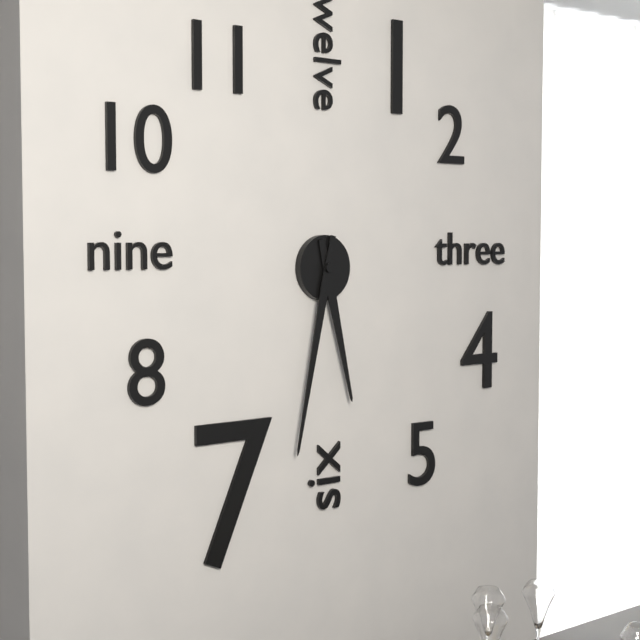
5 h 32 min
